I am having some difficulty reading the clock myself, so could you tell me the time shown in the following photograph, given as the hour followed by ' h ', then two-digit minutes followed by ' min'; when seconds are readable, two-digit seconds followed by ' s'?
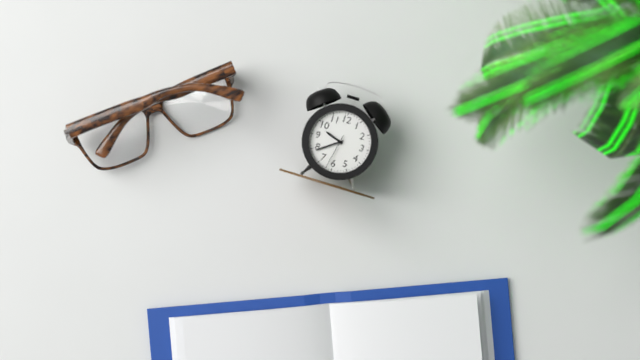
9 h 39 min
